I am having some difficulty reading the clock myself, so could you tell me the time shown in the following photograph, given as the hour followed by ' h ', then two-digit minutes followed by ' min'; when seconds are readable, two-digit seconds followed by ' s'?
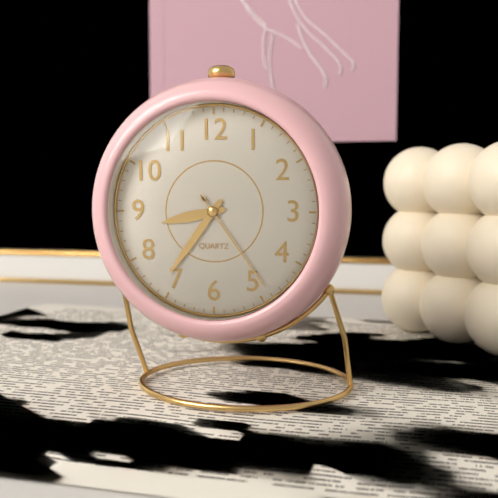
8 h 36 min 24 s
